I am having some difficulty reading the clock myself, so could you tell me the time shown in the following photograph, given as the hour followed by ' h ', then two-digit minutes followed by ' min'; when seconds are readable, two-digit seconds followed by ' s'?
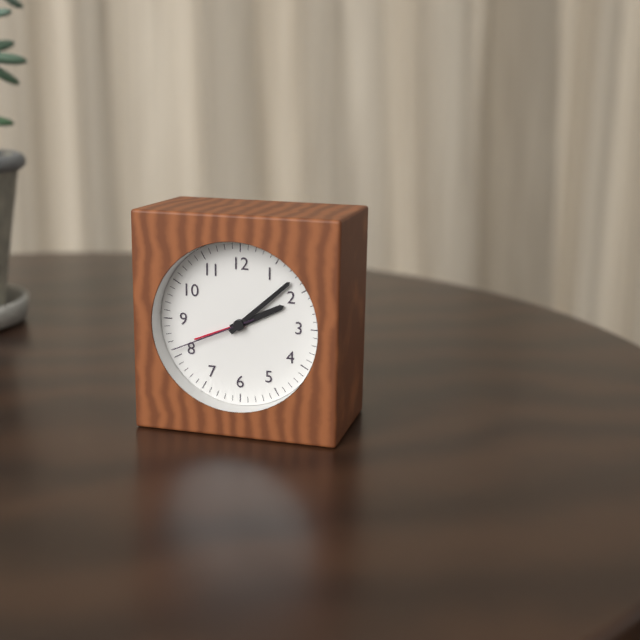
2 h 08 min 41 s
